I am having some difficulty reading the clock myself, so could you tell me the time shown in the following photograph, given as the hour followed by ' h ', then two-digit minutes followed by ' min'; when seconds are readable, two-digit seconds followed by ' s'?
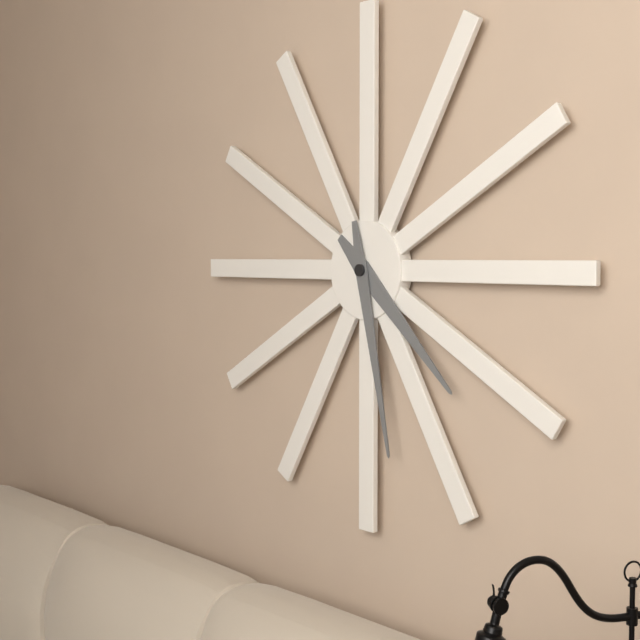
4 h 28 min
